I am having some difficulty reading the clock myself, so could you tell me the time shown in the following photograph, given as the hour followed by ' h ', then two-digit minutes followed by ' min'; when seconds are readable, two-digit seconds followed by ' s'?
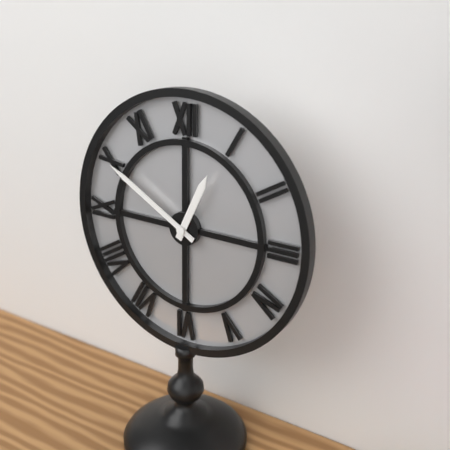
12 h 50 min
